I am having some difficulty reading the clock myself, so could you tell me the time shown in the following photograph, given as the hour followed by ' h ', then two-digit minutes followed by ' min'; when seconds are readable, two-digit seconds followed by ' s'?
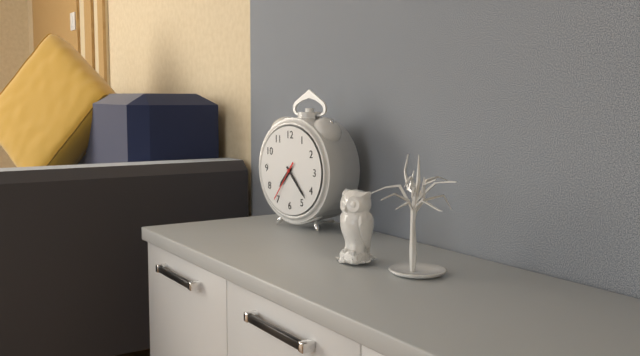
7 h 23 min
